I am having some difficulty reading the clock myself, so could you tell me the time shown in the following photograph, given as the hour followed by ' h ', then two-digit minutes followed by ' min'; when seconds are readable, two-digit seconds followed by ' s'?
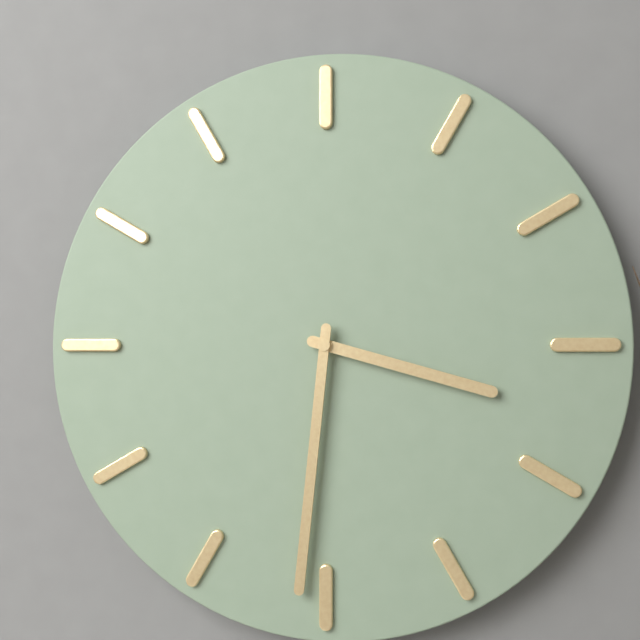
3 h 31 min
